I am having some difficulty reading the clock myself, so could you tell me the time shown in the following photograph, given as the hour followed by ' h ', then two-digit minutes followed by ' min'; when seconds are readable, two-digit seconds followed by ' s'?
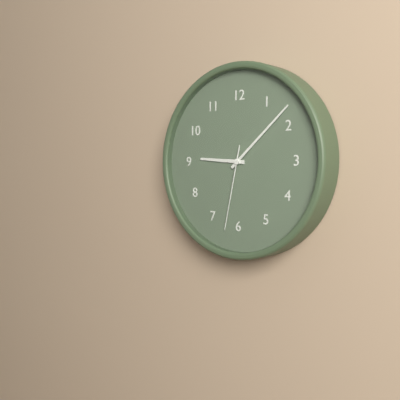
9 h 08 min 32 s
